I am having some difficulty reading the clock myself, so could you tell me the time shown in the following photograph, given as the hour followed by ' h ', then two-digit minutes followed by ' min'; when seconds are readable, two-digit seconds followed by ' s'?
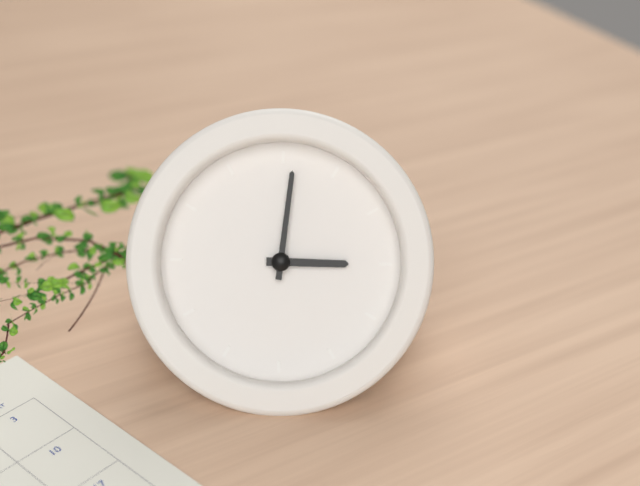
3 h 01 min
